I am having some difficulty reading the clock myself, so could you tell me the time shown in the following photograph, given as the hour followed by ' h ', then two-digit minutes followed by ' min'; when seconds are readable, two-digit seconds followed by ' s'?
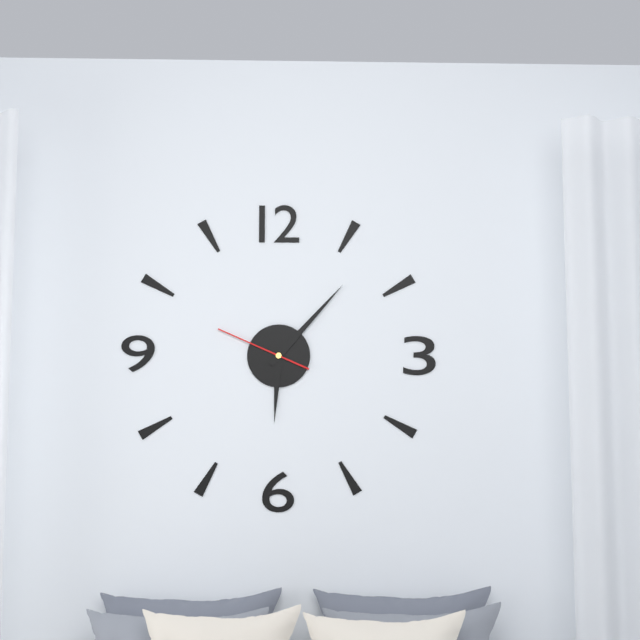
6 h 07 min 49 s
